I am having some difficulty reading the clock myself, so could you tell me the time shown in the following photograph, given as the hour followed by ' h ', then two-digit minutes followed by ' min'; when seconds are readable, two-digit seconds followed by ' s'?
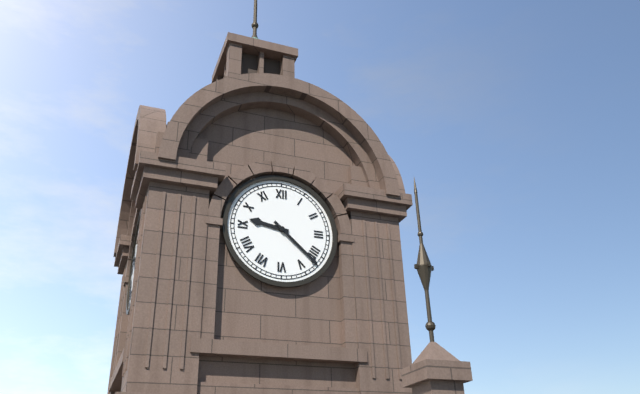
9 h 22 min
